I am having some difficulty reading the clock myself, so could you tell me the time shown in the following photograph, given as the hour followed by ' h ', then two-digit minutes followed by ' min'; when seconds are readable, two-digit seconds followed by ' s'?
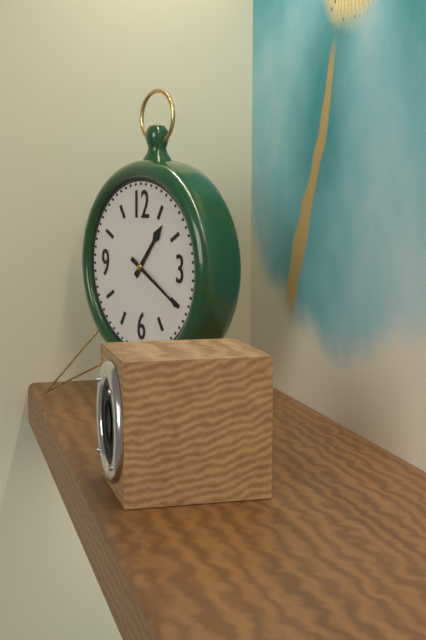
1 h 20 min
